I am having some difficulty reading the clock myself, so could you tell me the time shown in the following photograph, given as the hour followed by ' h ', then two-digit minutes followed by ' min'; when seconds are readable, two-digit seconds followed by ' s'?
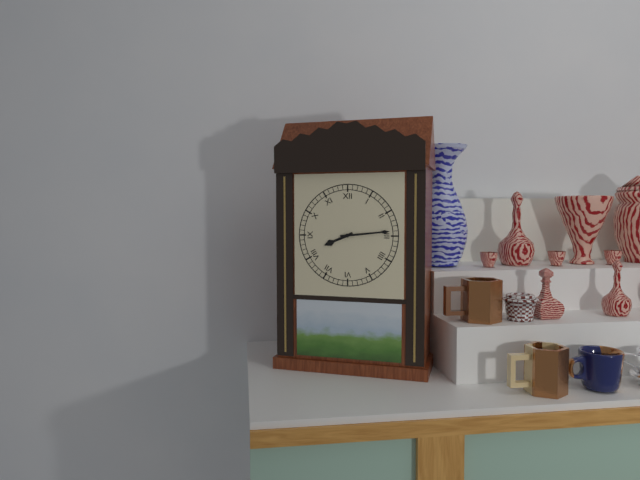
8 h 14 min
